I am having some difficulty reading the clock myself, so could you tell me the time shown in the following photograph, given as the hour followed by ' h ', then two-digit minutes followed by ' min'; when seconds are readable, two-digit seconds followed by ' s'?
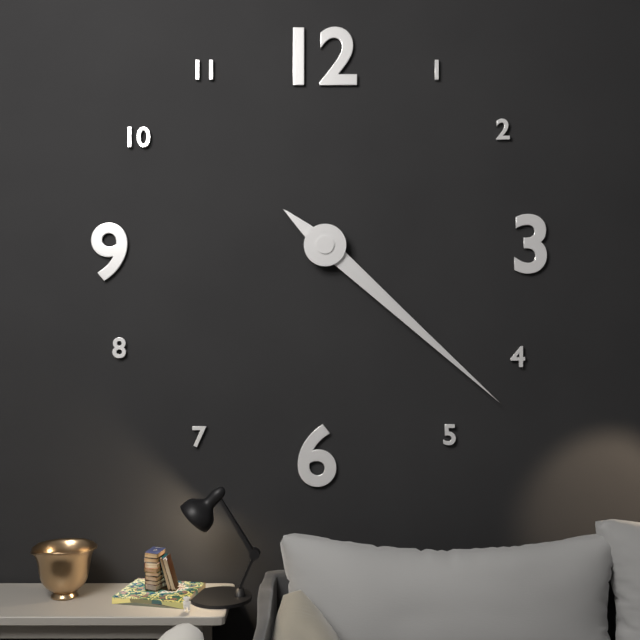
4 h 22 min
